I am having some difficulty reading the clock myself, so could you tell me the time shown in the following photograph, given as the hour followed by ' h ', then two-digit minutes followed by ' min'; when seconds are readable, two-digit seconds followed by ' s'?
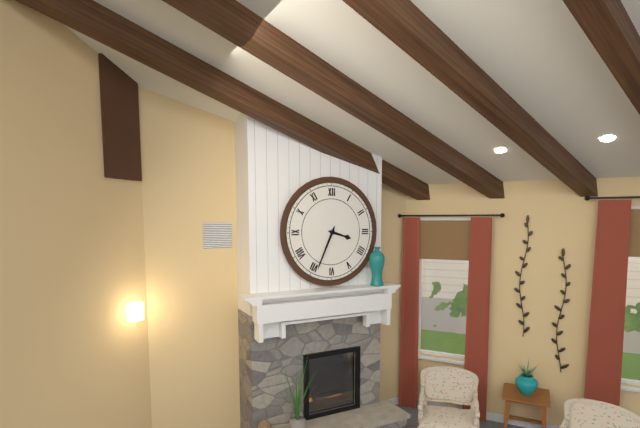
3 h 34 min
